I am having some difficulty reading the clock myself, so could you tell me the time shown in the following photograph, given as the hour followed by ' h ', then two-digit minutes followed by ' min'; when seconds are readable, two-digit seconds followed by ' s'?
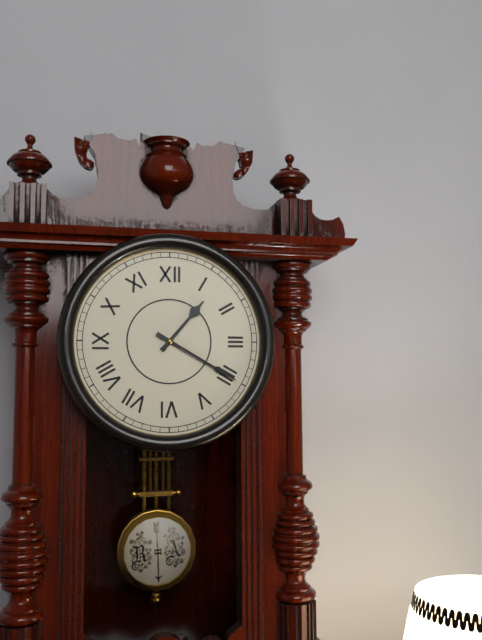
1 h 20 min
